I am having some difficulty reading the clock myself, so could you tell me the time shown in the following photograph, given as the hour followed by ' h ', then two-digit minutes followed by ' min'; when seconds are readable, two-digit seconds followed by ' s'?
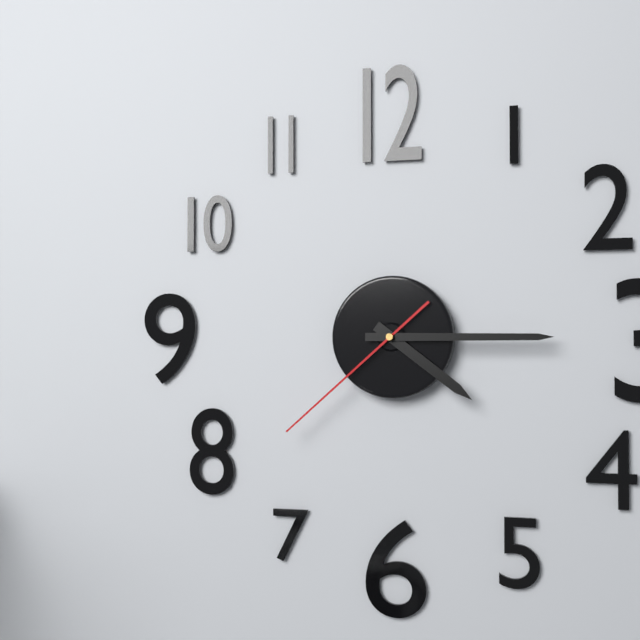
4 h 15 min 38 s
